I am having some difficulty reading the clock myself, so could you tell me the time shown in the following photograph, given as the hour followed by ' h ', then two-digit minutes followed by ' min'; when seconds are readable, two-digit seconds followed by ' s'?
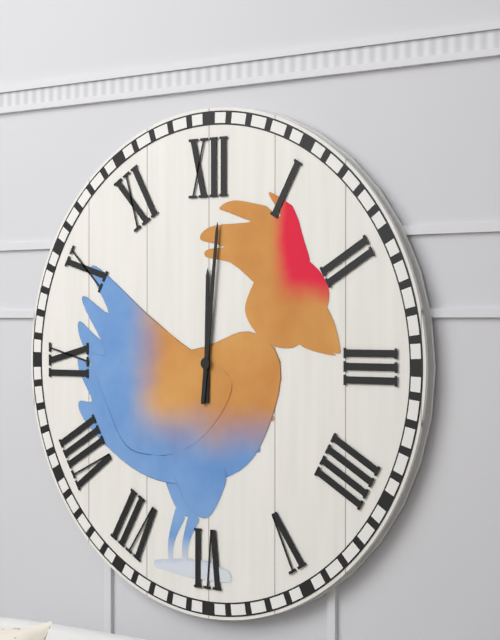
12 h 01 min
